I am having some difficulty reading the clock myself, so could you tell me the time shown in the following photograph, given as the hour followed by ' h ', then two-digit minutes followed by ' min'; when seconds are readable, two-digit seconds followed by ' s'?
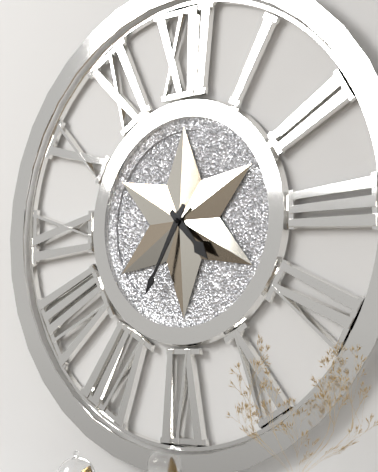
4 h 35 min
